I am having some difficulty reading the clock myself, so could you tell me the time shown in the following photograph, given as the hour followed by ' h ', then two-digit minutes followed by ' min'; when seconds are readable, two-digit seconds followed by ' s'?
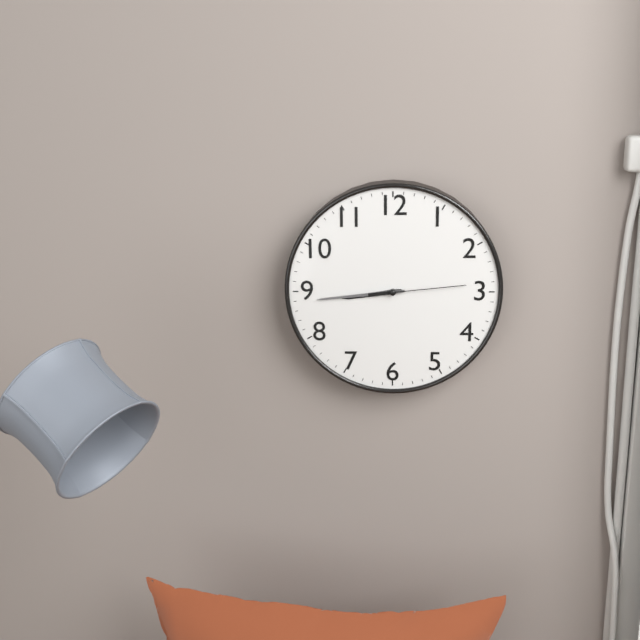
8 h 44 min 14 s
